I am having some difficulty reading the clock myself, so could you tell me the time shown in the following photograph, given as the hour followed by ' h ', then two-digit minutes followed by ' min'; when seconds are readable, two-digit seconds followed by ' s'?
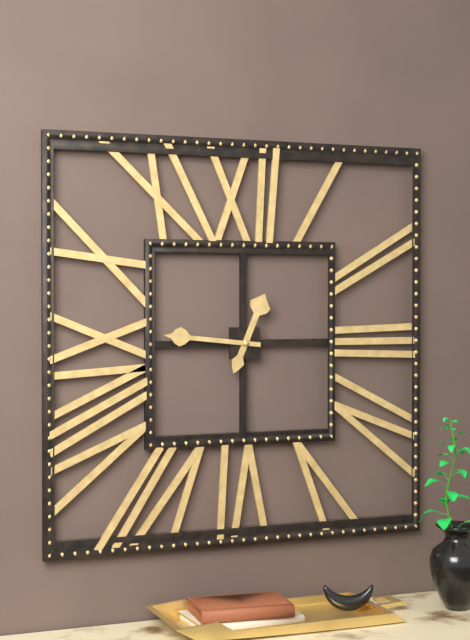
12 h 46 min
